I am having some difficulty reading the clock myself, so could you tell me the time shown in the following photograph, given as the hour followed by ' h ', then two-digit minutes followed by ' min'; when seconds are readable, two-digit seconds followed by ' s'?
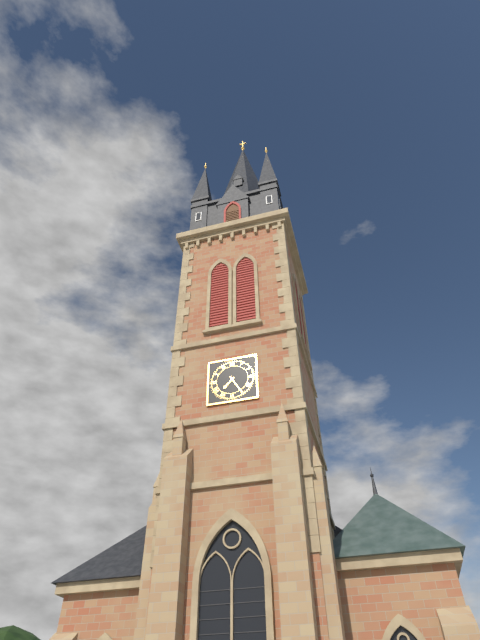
7 h 25 min
